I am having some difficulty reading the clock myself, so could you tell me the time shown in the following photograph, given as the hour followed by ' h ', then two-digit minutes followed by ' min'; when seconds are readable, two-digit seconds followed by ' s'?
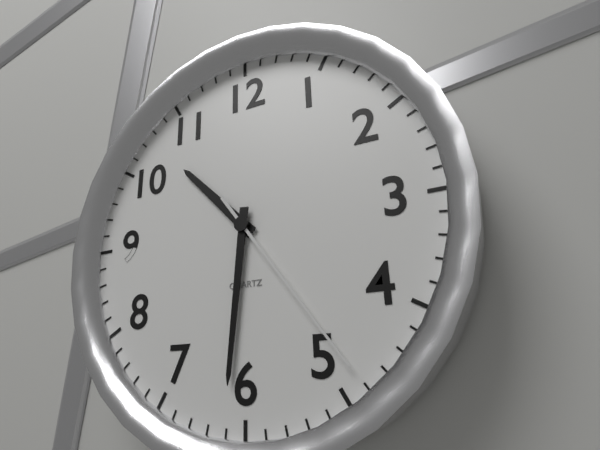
10 h 31 min 24 s
